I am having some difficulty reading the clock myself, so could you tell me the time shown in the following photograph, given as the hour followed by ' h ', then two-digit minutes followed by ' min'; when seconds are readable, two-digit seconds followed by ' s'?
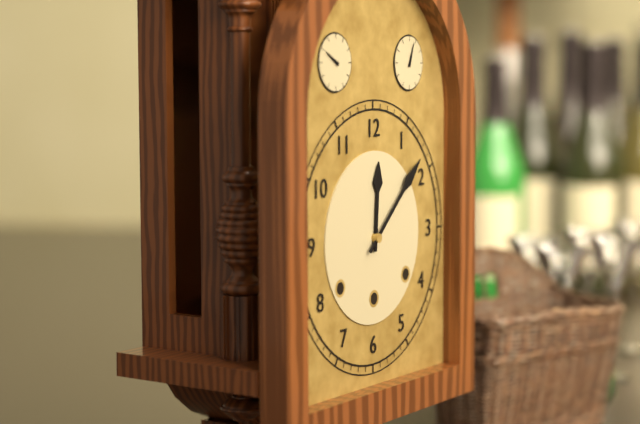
12 h 08 min
